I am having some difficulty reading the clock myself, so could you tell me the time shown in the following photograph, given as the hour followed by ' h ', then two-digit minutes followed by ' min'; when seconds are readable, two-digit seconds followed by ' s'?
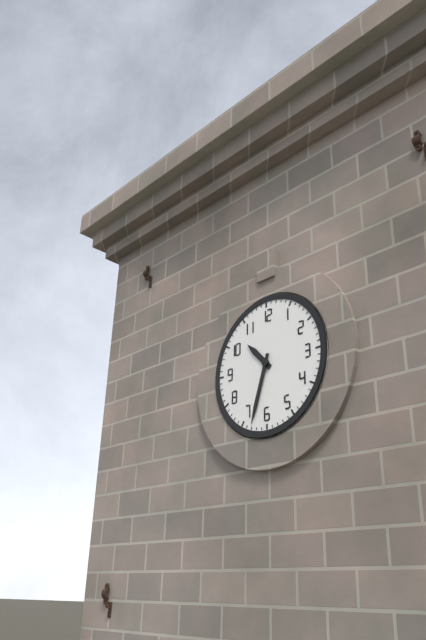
10 h 33 min
